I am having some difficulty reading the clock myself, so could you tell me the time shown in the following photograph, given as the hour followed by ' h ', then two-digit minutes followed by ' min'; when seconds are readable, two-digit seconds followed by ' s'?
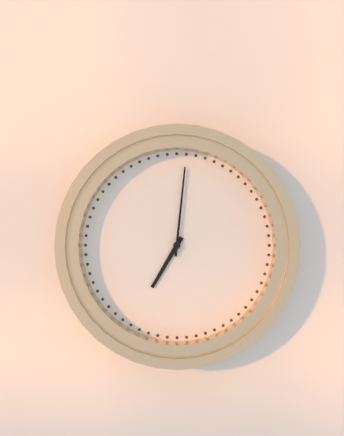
7 h 01 min
